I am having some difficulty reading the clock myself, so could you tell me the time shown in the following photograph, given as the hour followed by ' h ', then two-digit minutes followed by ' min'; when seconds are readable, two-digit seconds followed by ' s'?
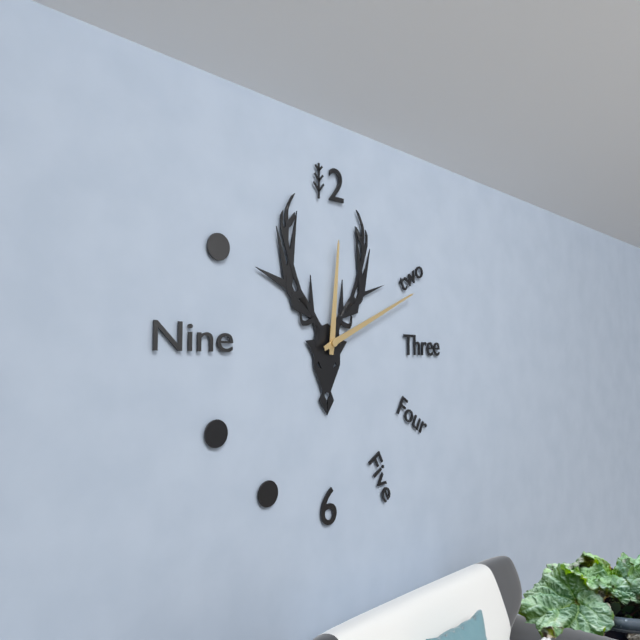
12 h 11 min
